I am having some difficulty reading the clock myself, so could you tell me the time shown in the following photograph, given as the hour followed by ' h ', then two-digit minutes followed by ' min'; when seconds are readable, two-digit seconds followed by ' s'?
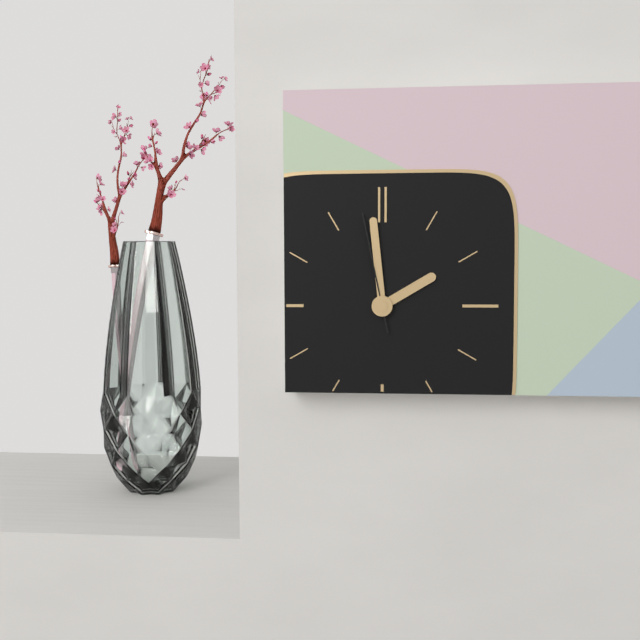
1 h 59 min 58 s
